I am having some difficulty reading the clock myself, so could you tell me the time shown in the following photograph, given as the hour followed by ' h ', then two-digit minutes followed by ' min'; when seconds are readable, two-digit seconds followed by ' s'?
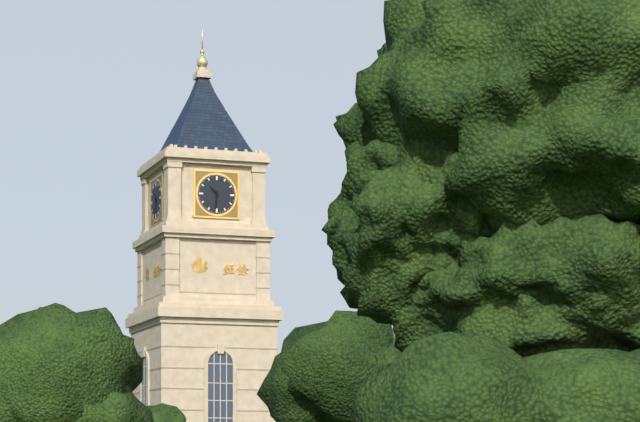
10 h 31 min
